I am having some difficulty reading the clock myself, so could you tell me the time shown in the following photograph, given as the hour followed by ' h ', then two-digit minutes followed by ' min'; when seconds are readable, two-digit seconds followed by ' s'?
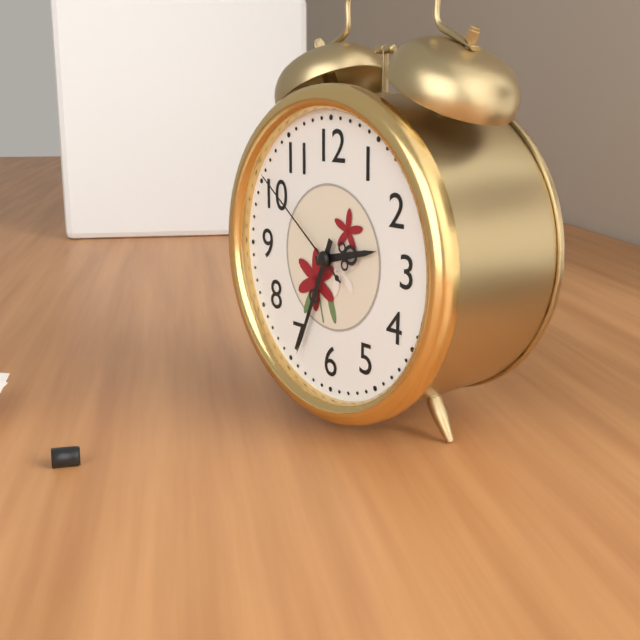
2 h 34 min 51 s
